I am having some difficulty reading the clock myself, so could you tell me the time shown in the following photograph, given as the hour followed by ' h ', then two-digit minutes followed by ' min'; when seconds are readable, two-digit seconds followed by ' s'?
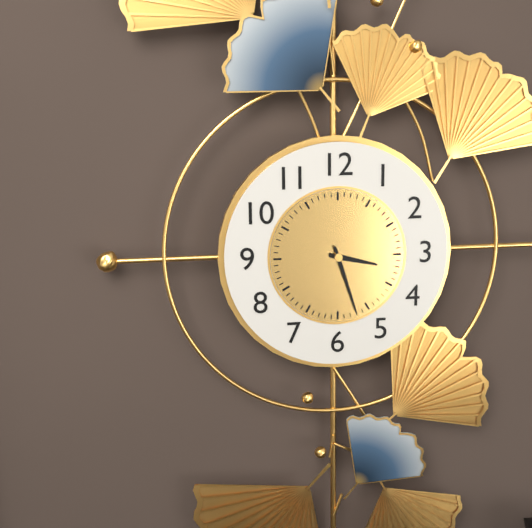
3 h 27 min
